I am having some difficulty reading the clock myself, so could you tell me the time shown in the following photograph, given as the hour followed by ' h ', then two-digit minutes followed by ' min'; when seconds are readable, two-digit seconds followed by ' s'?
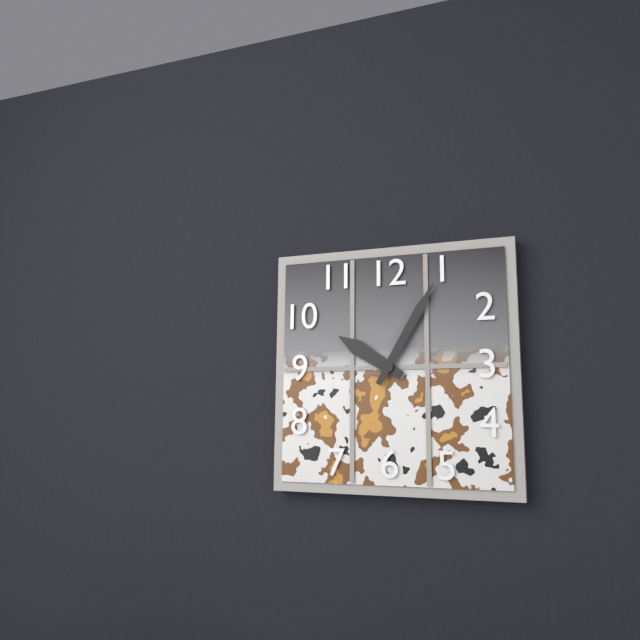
10 h 05 min
